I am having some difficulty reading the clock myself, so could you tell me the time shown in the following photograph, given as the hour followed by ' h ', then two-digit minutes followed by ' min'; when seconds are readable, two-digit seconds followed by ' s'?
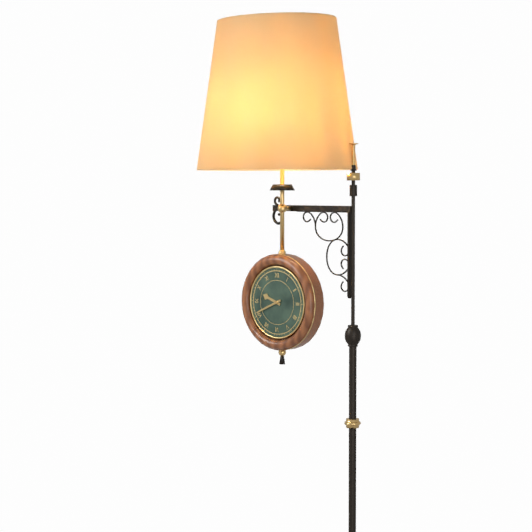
9 h 41 min
